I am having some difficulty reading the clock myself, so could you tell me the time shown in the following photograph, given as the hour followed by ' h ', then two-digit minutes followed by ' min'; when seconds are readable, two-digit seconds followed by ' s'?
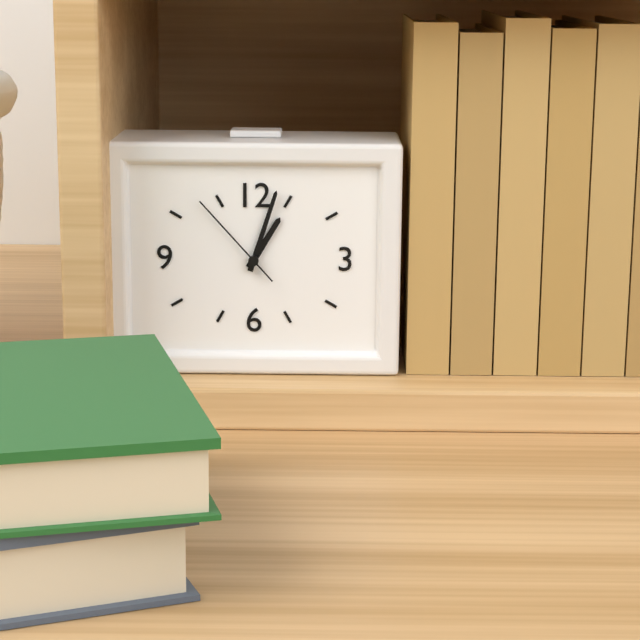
1 h 03 min 53 s
